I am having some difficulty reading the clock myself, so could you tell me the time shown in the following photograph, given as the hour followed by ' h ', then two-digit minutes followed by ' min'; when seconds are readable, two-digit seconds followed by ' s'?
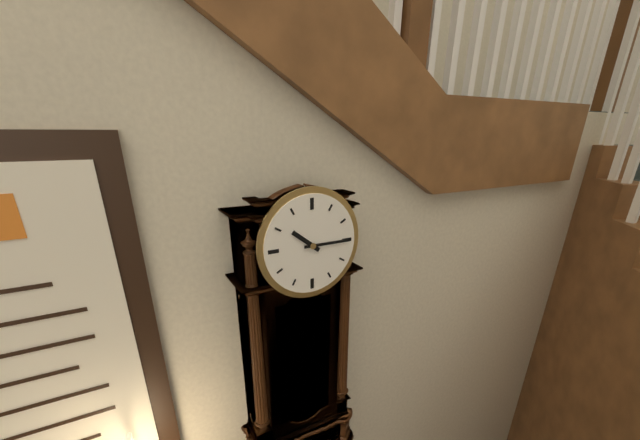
10 h 15 min
